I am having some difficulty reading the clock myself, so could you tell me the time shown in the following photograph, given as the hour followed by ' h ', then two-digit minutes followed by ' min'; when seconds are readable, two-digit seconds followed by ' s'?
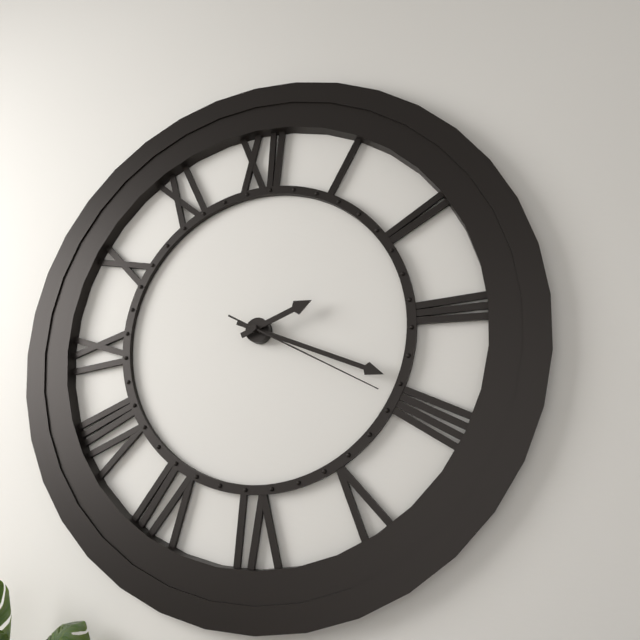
2 h 19 min 20 s
